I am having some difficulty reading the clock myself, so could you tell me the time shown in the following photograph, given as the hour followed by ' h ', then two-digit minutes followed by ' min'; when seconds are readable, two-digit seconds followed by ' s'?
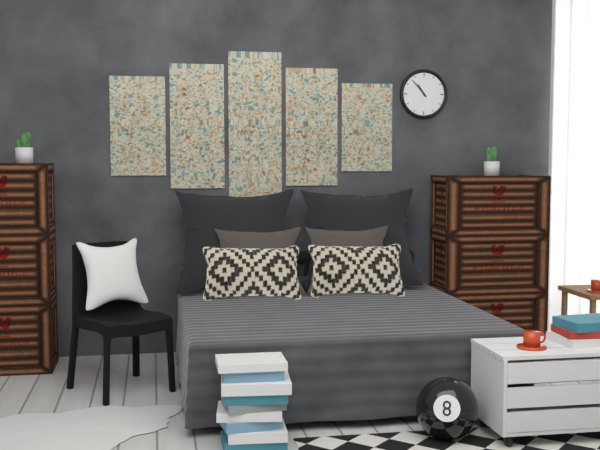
10 h 53 min
